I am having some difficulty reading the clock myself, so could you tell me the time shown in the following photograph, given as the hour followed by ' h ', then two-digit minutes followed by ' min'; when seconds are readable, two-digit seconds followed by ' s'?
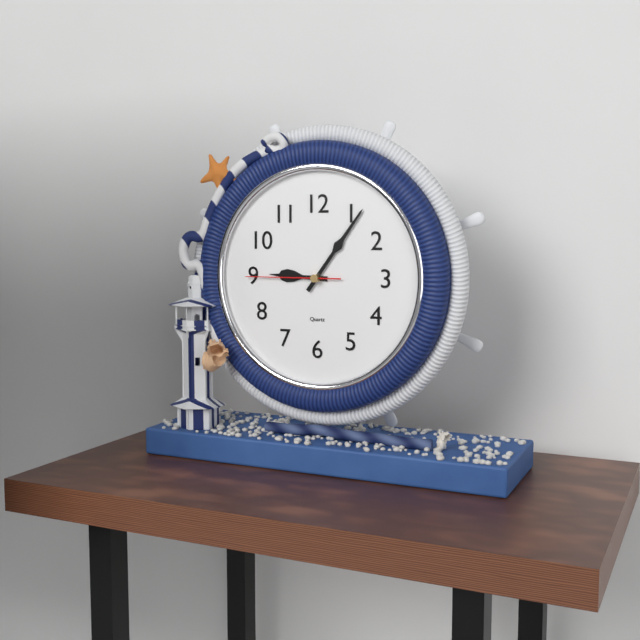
9 h 06 min 45 s
